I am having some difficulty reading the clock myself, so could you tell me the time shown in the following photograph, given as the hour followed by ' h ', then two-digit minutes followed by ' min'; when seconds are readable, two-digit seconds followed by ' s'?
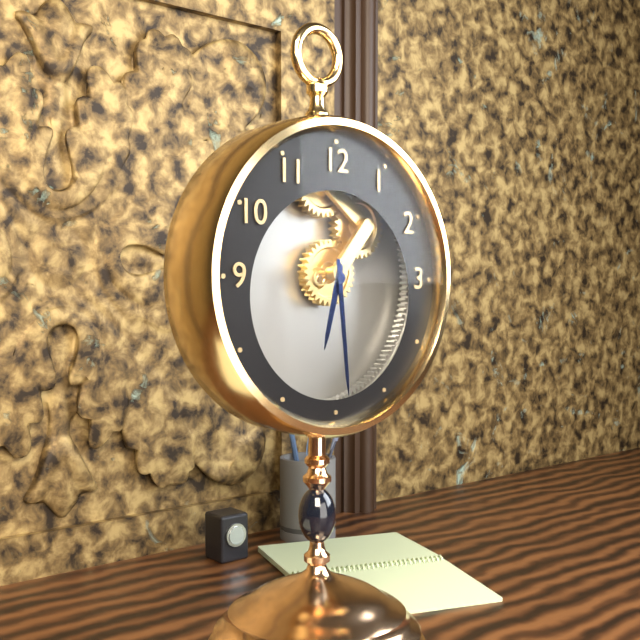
6 h 29 min
